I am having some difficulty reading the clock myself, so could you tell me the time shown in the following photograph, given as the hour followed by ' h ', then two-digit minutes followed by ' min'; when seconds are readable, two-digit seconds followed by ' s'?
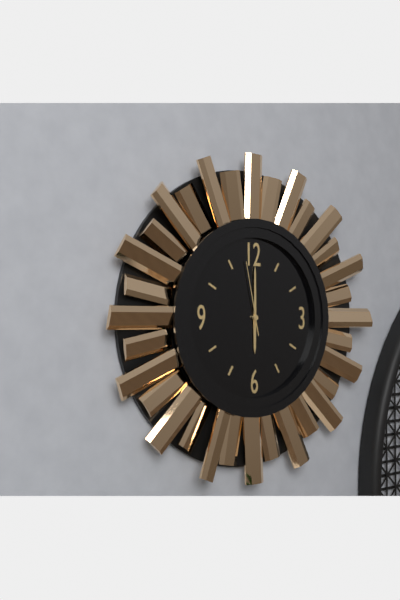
6 h 00 min 58 s
